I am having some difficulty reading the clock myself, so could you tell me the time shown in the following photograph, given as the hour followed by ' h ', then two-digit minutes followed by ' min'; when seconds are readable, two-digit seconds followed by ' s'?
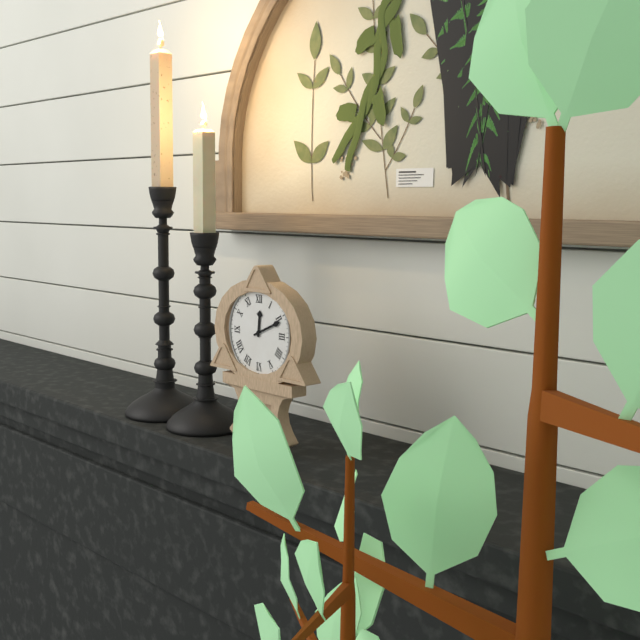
12 h 11 min
